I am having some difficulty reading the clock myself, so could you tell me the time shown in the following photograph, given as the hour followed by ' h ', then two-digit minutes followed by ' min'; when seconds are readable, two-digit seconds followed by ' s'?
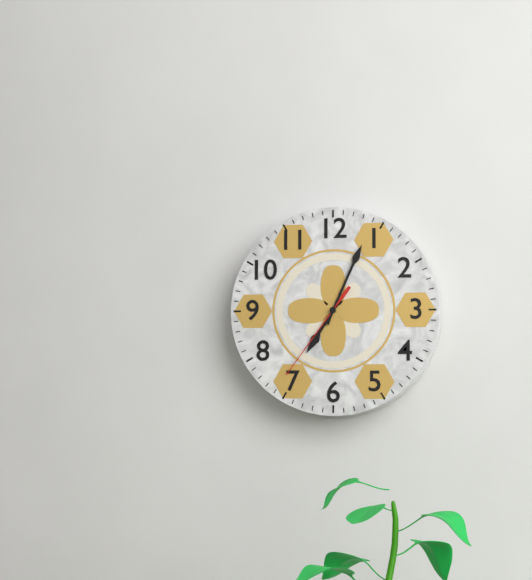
7 h 04 min 36 s
